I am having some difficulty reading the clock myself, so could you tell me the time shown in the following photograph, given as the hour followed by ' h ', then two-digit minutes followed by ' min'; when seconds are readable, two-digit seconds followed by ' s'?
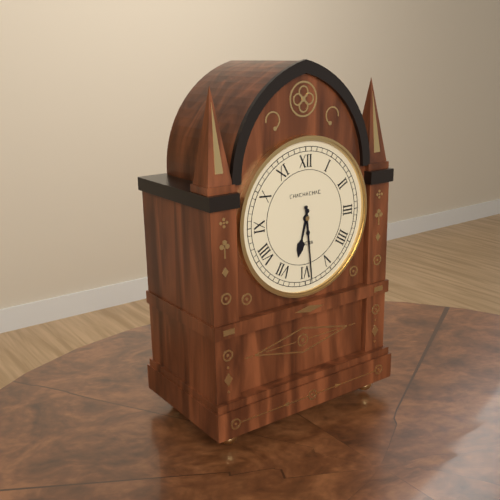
6 h 29 min
